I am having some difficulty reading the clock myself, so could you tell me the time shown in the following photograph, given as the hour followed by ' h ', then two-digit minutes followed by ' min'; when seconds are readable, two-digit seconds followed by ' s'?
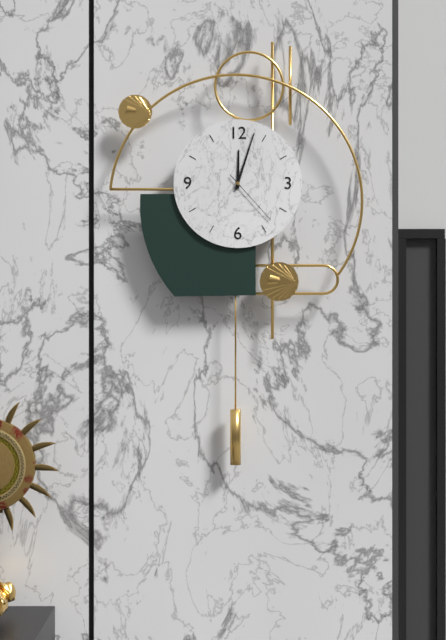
12 h 03 min 23 s
